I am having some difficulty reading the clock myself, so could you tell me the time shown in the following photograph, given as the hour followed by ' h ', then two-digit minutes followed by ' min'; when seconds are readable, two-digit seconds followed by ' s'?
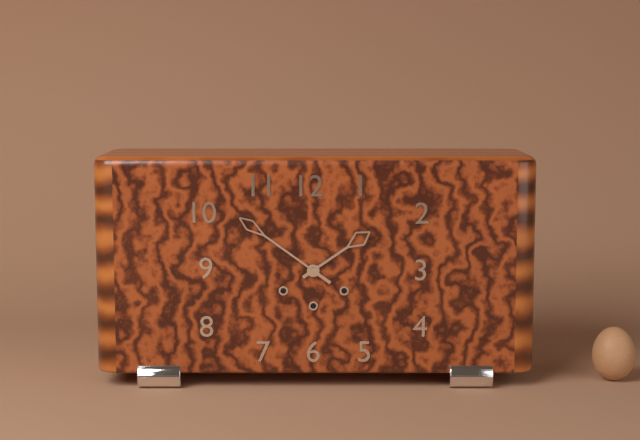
1 h 51 min
